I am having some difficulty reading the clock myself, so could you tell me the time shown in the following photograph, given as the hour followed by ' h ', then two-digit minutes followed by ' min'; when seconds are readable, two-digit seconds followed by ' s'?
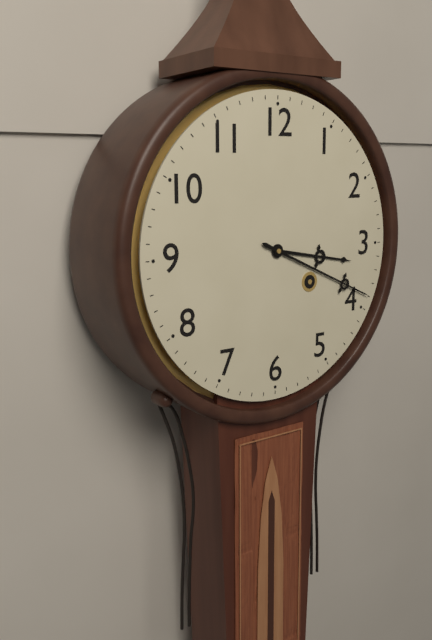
3 h 19 min
